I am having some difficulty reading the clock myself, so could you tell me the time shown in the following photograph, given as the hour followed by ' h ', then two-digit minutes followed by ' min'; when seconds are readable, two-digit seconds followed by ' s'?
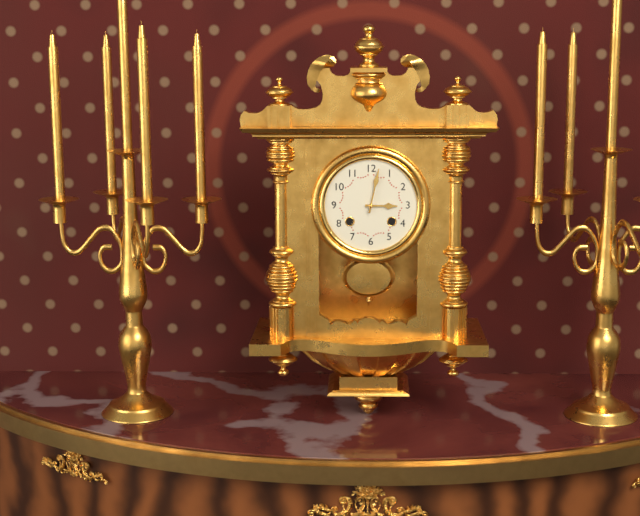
3 h 02 min
